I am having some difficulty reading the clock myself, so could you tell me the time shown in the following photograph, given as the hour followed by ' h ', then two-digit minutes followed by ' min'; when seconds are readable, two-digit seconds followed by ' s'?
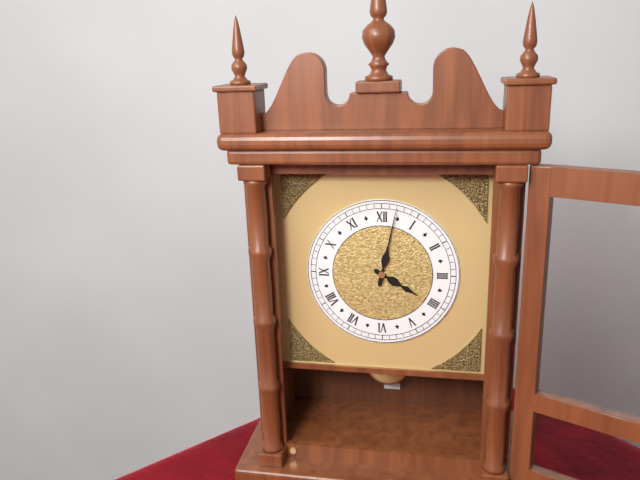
4 h 02 min
